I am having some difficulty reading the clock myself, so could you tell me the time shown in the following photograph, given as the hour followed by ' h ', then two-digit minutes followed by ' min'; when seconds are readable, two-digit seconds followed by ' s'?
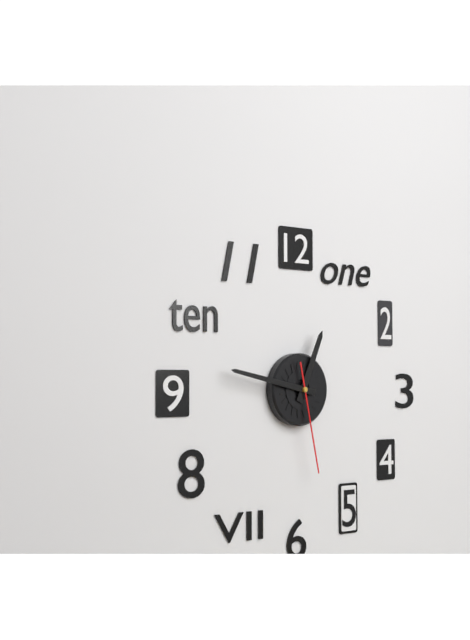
12 h 47 min 28 s
